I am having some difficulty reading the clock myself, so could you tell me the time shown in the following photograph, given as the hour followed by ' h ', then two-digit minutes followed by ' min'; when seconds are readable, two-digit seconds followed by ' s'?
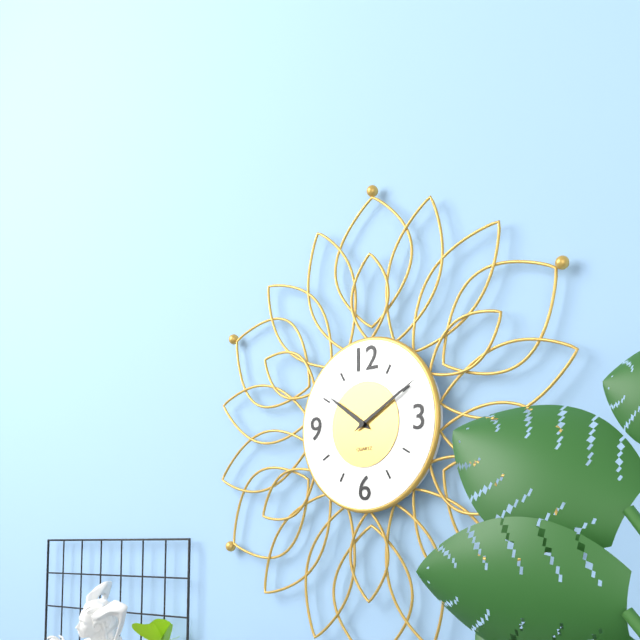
10 h 10 min
